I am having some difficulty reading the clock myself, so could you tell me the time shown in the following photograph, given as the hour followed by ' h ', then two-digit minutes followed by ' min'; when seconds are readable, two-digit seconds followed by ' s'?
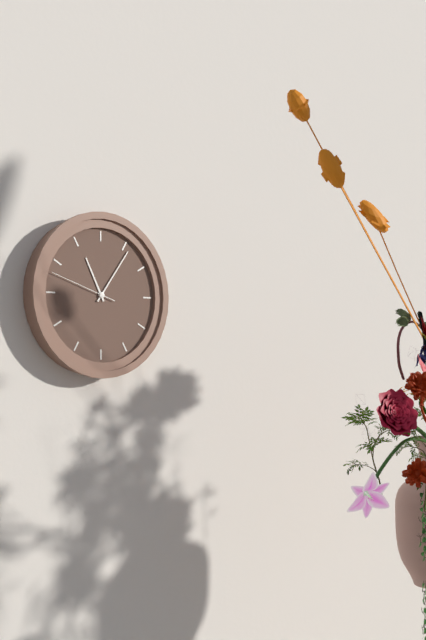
11 h 06 min 48 s
